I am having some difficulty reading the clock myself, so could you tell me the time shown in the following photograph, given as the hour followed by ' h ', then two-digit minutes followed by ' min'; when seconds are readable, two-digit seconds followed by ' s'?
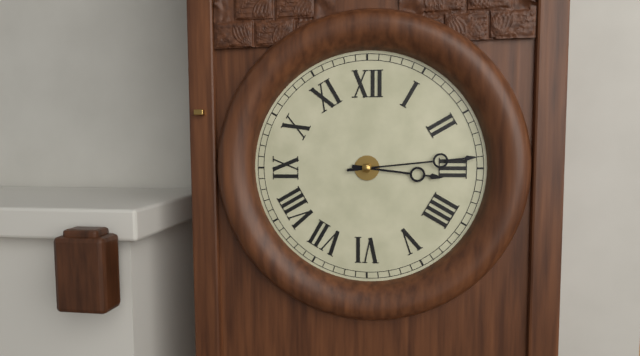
3 h 14 min
